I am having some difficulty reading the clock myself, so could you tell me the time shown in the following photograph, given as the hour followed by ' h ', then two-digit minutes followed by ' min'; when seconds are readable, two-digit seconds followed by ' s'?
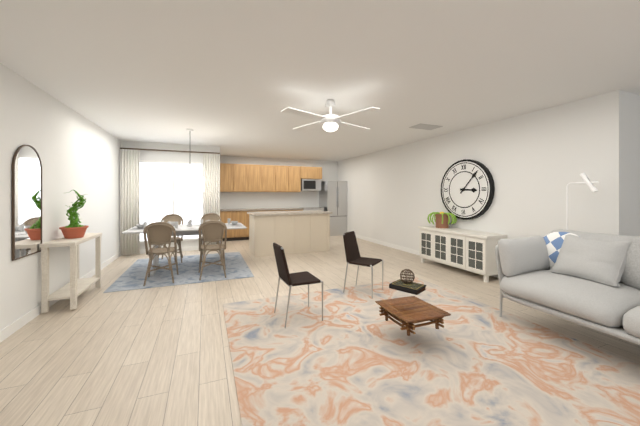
3 h 07 min
